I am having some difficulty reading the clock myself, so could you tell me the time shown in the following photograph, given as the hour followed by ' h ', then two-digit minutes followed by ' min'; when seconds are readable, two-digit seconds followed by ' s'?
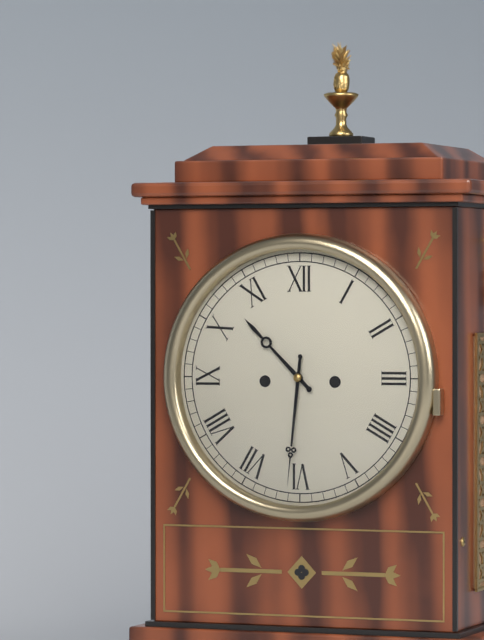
10 h 31 min
